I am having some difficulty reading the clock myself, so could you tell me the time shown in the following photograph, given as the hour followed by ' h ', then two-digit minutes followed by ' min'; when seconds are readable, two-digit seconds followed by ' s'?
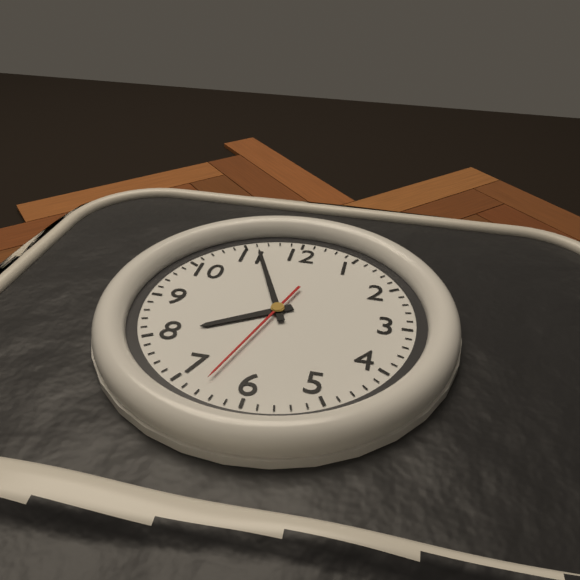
7 h 56 min 33 s
